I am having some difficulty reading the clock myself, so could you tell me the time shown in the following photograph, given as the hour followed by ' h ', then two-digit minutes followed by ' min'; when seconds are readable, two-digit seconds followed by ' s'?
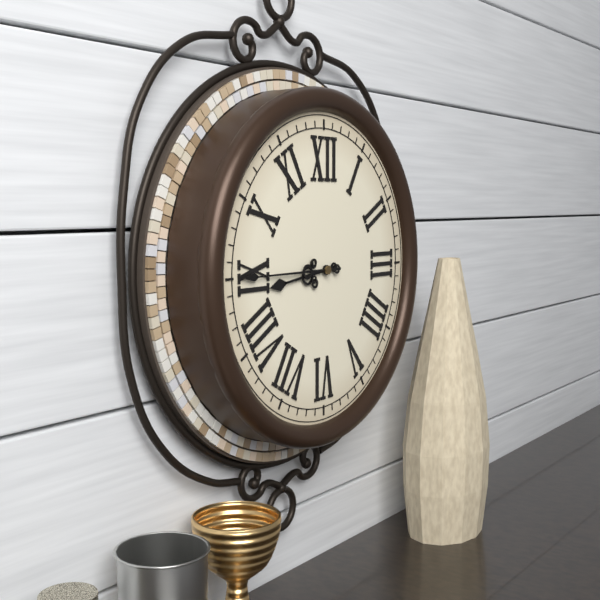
8 h 45 min
